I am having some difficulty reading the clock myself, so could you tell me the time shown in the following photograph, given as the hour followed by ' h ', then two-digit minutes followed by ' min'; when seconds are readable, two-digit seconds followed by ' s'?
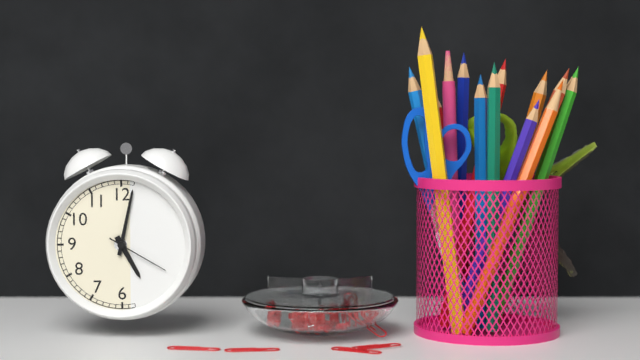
5 h 02 min 20 s
